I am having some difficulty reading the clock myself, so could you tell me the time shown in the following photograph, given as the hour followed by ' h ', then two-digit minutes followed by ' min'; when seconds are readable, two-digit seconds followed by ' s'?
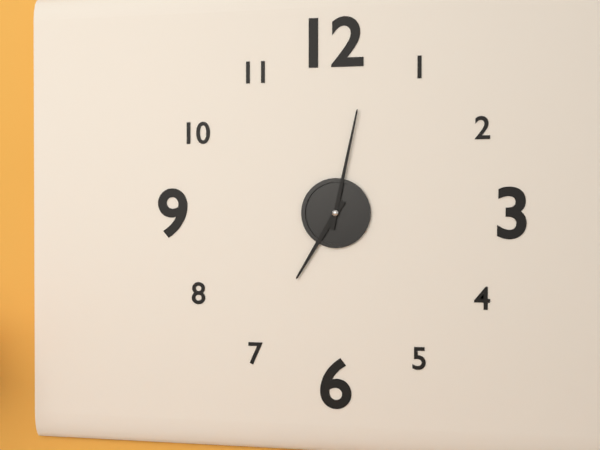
7 h 02 min
